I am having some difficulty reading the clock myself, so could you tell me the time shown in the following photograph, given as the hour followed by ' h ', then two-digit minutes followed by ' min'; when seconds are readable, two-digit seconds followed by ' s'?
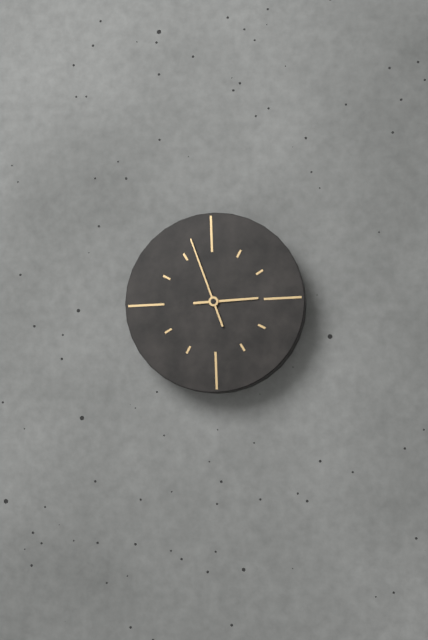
2 h 57 min
